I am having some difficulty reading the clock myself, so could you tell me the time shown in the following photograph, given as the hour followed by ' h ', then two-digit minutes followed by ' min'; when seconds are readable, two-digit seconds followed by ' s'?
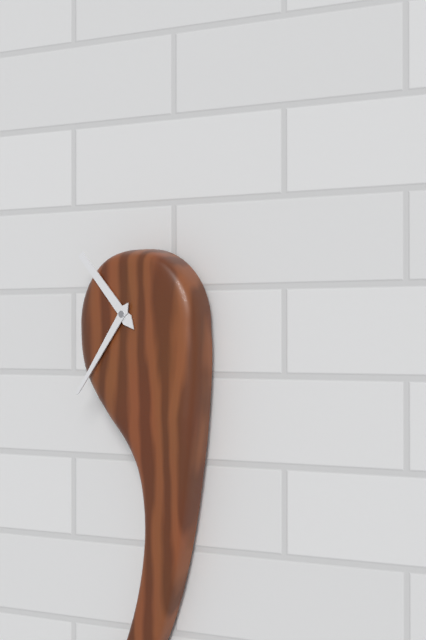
10 h 36 min
